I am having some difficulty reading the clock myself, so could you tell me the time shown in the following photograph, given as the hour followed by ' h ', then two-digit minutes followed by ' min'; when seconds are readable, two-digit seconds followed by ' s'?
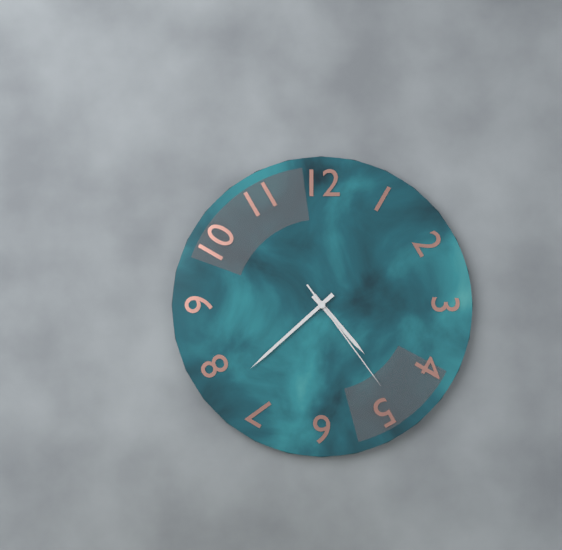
4 h 38 min 24 s
